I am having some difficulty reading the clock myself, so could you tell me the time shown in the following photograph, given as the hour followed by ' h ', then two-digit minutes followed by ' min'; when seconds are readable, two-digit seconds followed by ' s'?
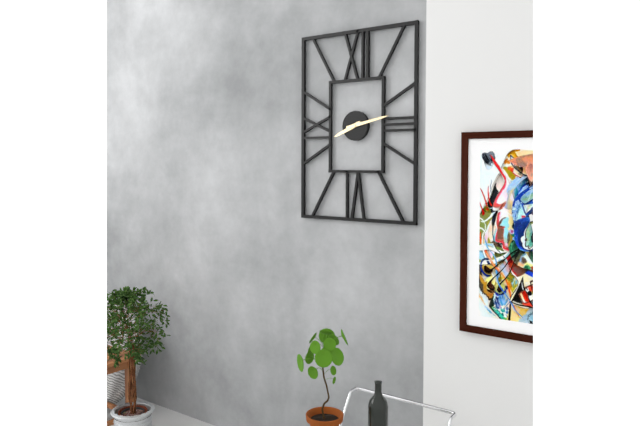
8 h 13 min
